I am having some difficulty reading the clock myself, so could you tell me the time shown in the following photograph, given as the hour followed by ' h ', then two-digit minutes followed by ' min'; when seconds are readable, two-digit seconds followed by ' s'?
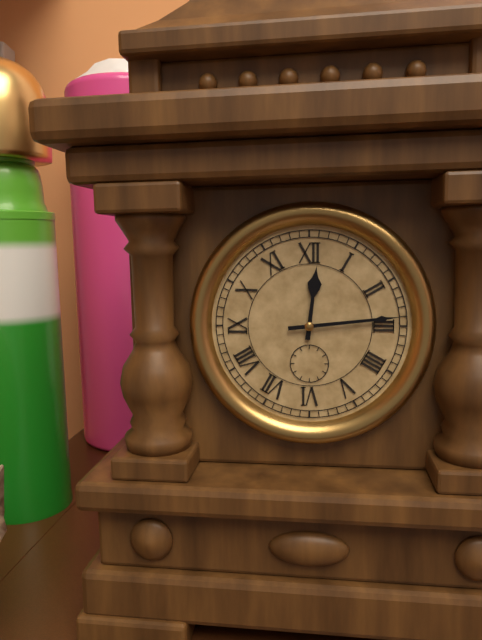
12 h 14 min
